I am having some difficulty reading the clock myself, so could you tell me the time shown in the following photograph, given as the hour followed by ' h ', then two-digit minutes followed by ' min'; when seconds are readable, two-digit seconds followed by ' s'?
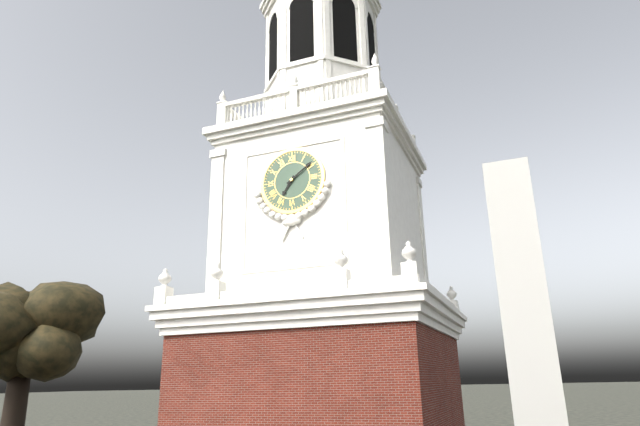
7 h 09 min
